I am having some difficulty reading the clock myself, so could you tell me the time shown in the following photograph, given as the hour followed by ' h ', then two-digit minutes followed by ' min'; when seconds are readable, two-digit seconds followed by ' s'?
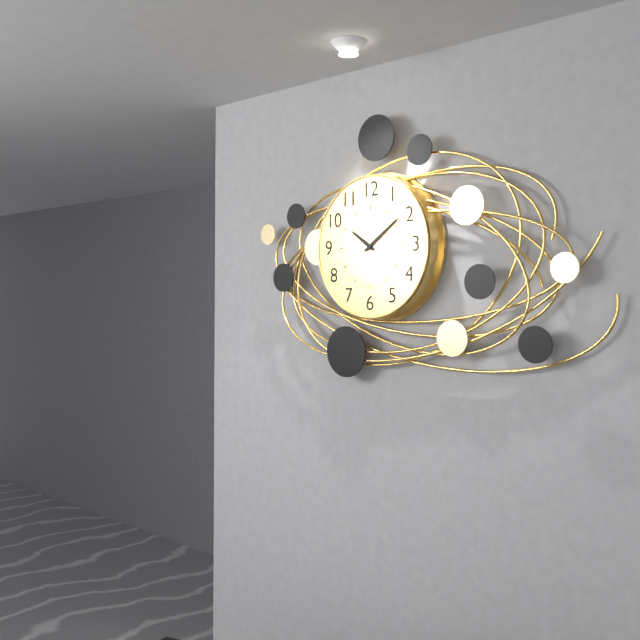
10 h 09 min
